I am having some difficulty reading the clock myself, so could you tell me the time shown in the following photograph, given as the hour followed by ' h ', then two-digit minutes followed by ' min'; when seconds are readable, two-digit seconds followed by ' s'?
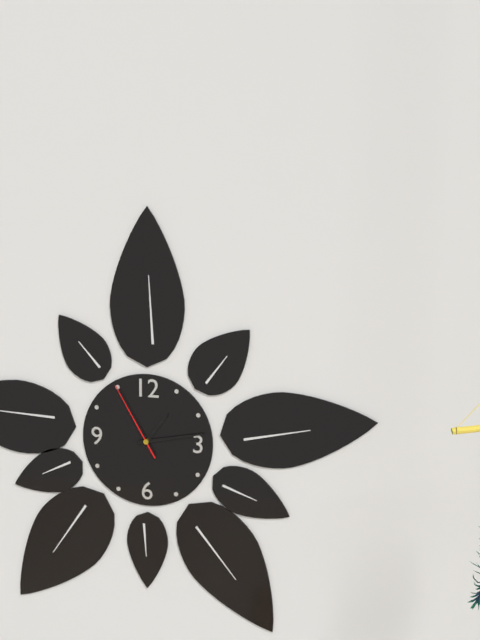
1 h 13 min 55 s
